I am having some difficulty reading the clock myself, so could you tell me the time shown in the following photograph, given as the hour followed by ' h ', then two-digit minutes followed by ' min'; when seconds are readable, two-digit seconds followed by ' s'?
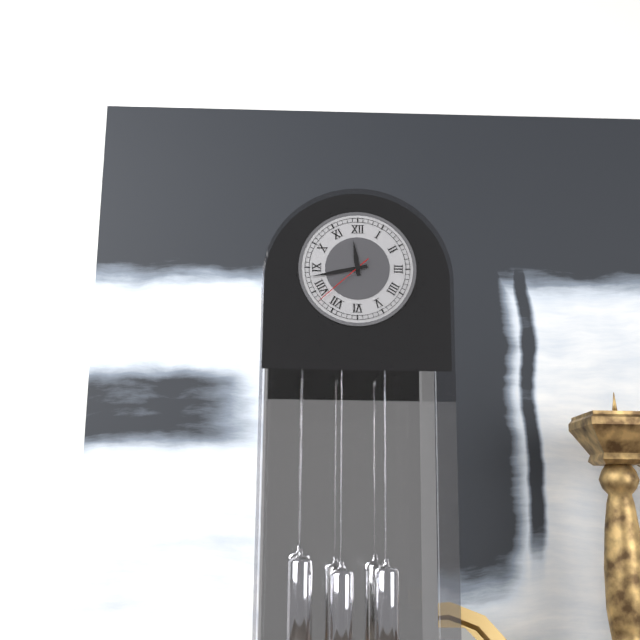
11 h 43 min 38 s
